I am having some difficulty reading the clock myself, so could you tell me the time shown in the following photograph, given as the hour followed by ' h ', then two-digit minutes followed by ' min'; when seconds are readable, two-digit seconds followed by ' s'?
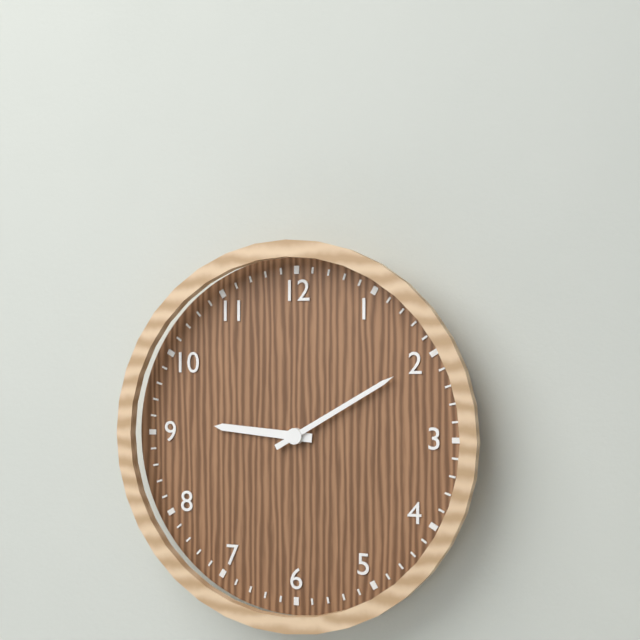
9 h 10 min
